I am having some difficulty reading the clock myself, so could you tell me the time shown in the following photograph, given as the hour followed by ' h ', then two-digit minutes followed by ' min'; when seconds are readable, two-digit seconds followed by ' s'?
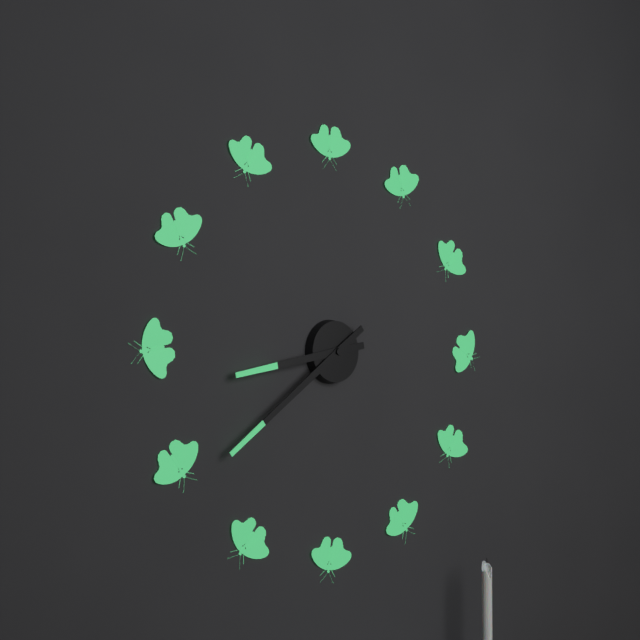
8 h 39 min
